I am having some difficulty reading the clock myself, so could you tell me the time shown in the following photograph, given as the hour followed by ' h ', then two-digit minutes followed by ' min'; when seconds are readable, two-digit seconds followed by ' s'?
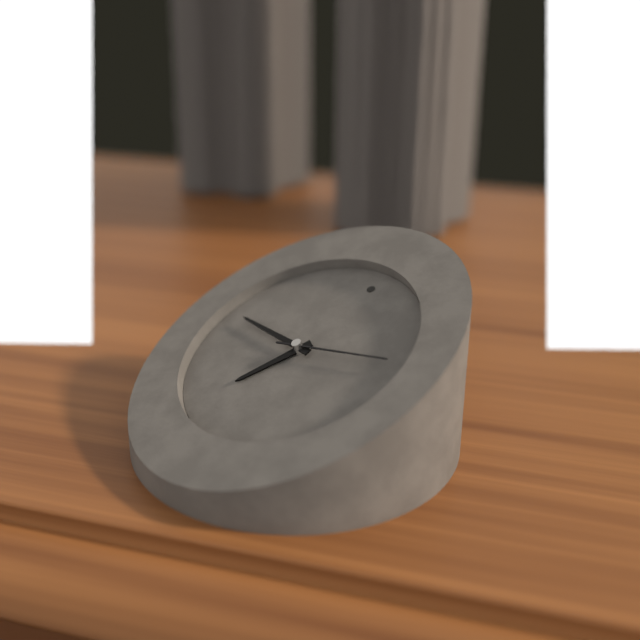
6 h 45 min 12 s
